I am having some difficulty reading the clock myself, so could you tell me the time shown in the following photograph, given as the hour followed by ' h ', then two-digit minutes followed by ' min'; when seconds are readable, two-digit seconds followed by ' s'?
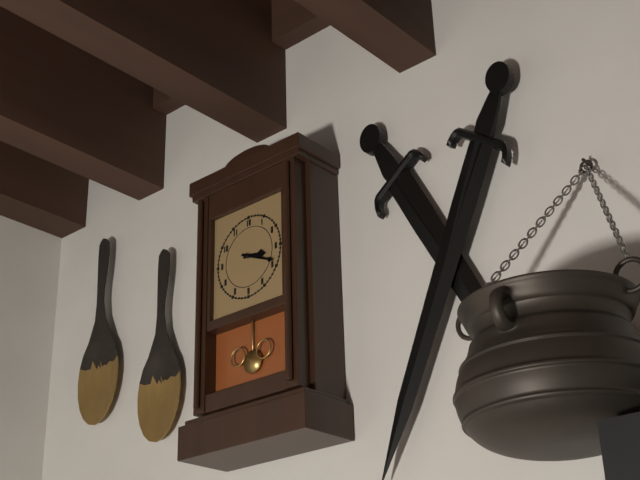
3 h 19 min
